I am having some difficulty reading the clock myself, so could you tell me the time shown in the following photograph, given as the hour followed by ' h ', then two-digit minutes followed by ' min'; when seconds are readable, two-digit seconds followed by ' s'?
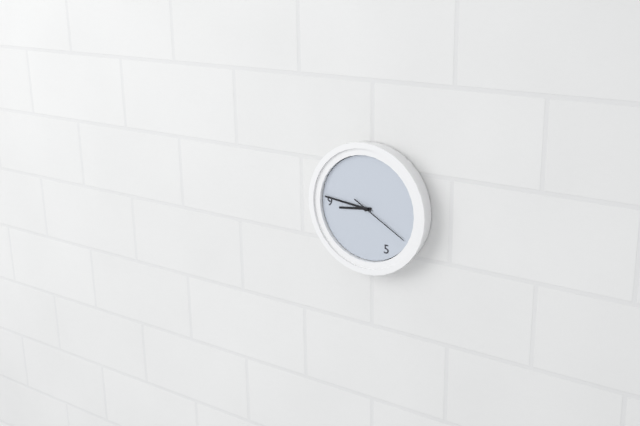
8 h 46 min 20 s
